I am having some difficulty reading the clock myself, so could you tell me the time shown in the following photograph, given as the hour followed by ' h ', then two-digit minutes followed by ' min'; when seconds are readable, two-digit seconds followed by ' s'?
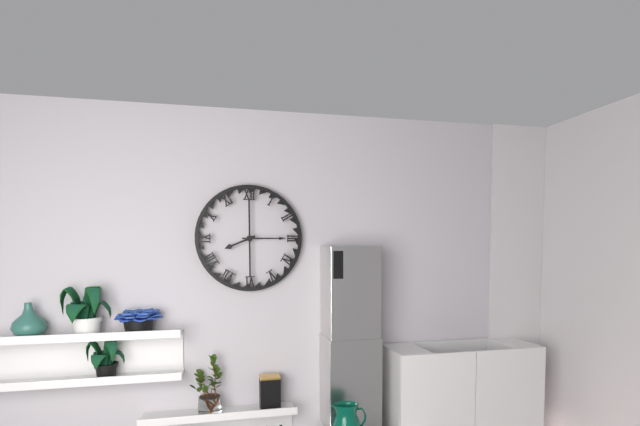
8 h 15 min
